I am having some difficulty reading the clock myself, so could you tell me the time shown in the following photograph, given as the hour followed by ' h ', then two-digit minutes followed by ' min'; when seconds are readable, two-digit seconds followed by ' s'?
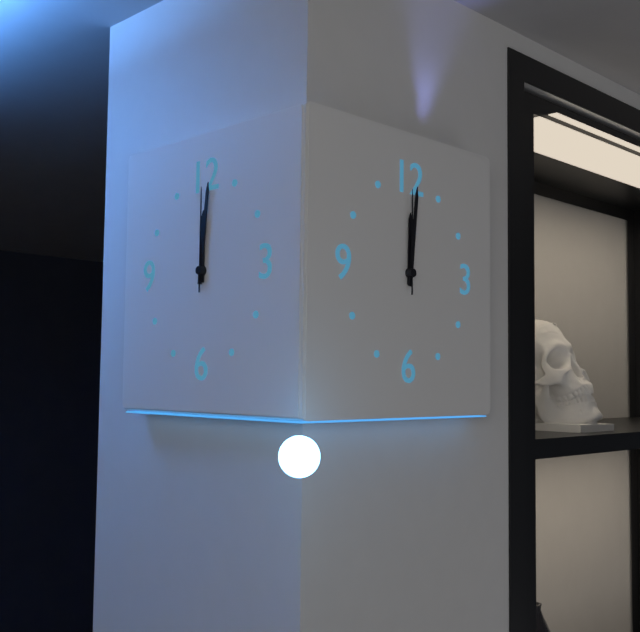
12 h 01 min 00 s
